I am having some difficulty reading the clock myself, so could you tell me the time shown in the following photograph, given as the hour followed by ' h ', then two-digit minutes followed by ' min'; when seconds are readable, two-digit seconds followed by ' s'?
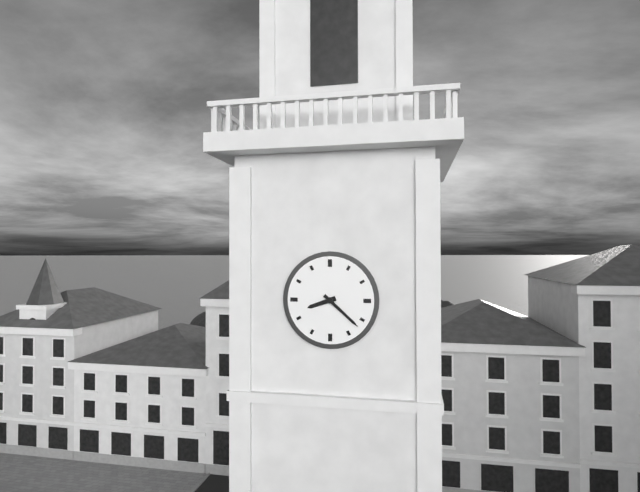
8 h 22 min
